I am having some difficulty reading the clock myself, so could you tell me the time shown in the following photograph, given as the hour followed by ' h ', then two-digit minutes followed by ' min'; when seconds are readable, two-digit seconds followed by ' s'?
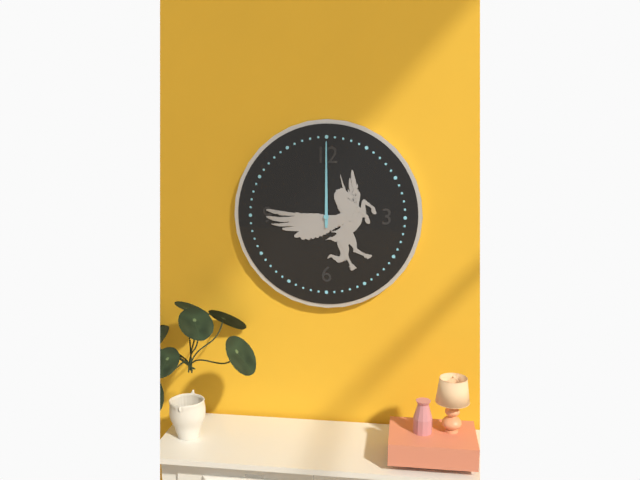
12 h 00 min
